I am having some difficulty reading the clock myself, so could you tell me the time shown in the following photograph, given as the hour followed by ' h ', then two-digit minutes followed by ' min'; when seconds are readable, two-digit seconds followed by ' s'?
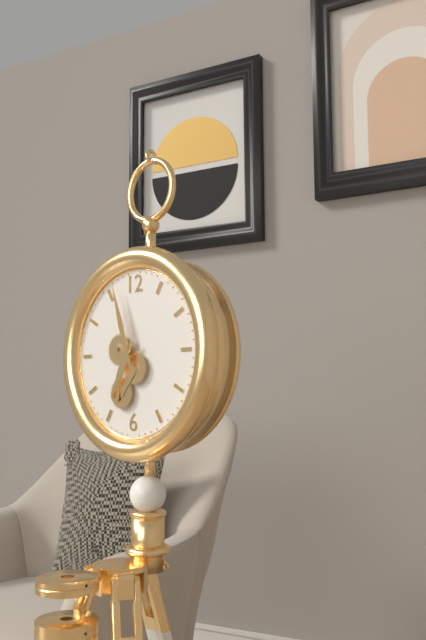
6 h 57 min
